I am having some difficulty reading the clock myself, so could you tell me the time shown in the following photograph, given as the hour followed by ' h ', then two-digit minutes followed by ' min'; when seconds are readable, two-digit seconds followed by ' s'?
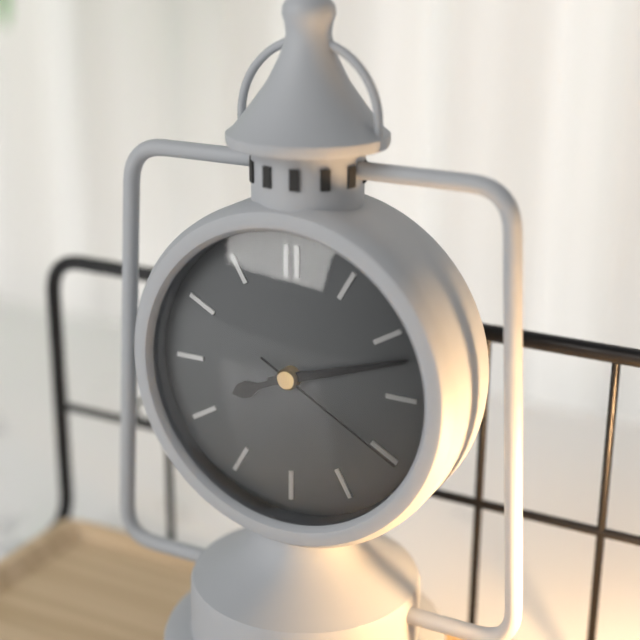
8 h 12 min 20 s
